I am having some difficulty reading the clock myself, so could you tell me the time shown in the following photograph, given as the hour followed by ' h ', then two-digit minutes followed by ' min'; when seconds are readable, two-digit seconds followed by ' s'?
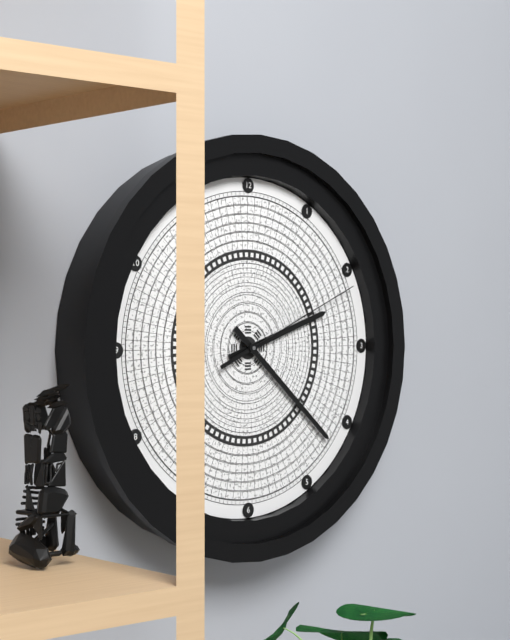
2 h 22 min 11 s
